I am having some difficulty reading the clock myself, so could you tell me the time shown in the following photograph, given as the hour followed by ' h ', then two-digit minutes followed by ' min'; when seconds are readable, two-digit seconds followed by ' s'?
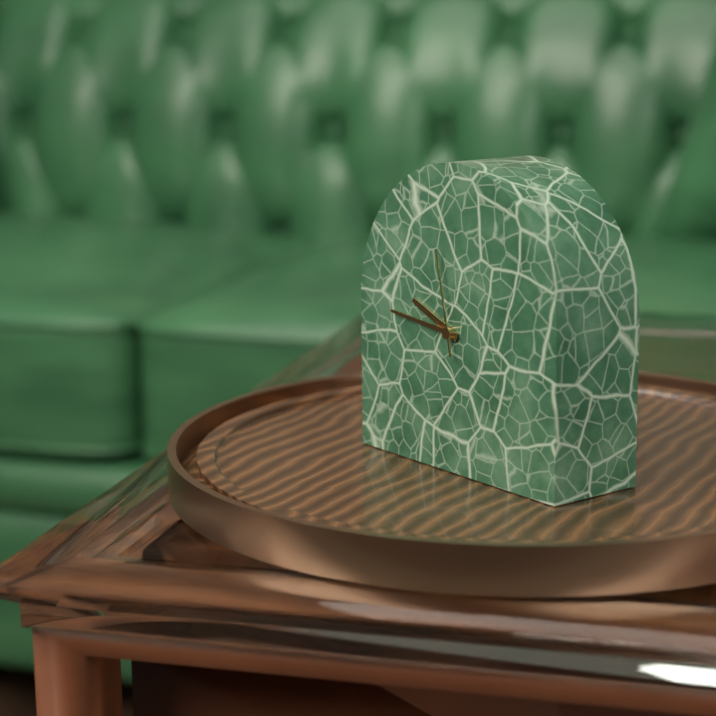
9 h 46 min 58 s
